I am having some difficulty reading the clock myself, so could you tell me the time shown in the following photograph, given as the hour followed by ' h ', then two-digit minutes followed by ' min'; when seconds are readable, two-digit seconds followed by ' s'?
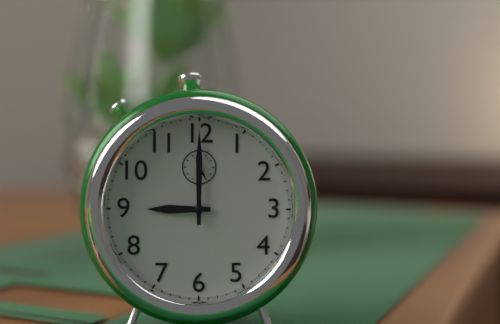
9 h 00 min
